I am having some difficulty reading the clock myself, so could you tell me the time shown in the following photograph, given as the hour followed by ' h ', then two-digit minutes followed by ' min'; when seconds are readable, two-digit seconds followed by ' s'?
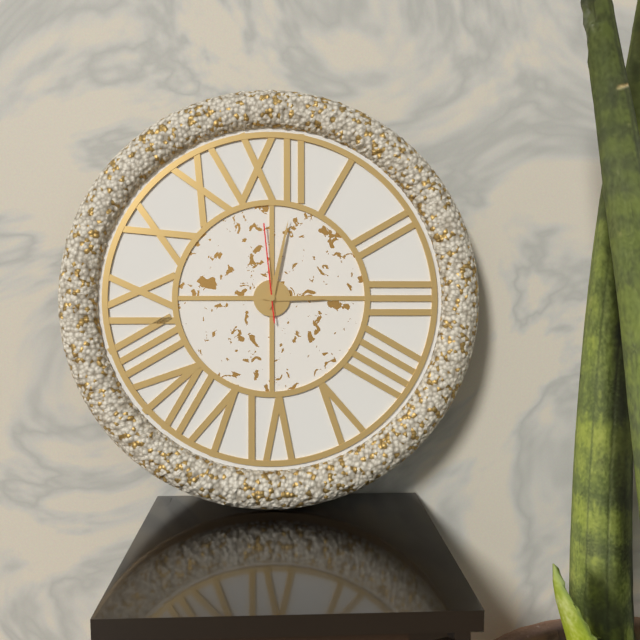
3 h 02 min 59 s
